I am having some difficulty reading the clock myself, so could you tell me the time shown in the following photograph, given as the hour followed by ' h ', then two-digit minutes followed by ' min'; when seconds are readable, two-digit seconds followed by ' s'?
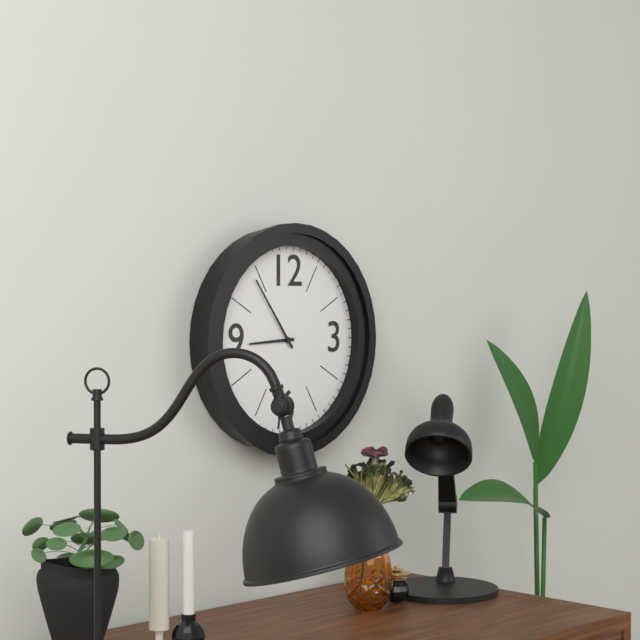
8 h 54 min
